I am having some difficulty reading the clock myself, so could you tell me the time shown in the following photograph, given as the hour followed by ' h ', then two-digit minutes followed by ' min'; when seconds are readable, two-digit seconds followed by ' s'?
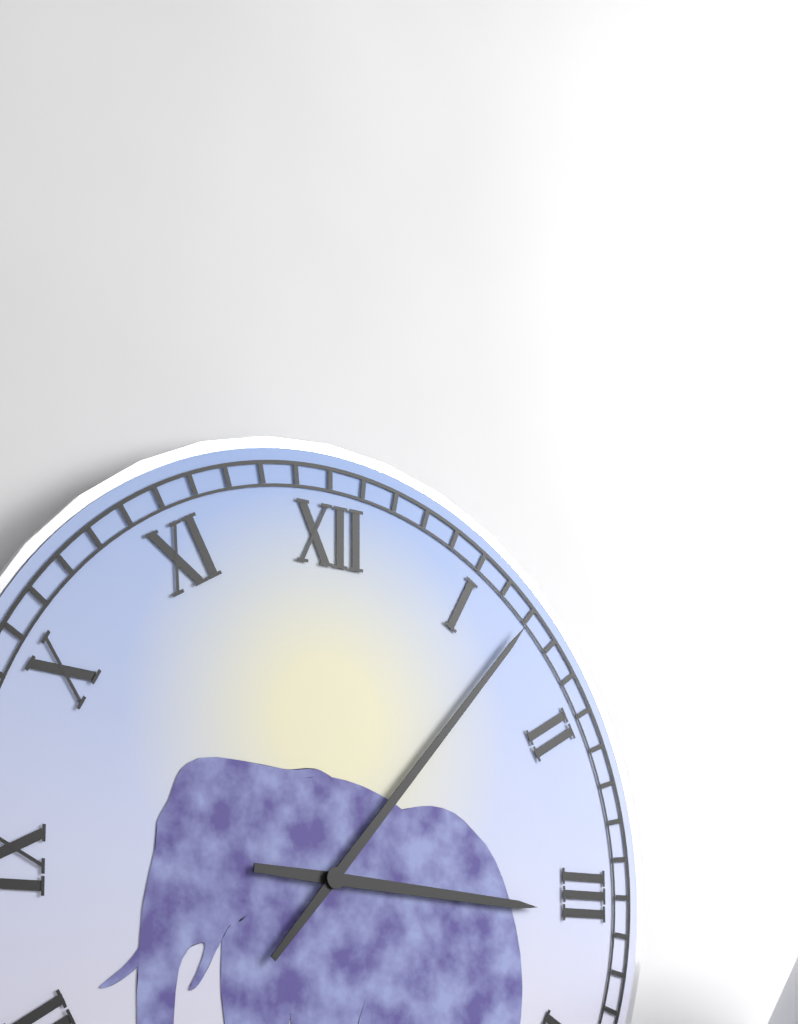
3 h 07 min
